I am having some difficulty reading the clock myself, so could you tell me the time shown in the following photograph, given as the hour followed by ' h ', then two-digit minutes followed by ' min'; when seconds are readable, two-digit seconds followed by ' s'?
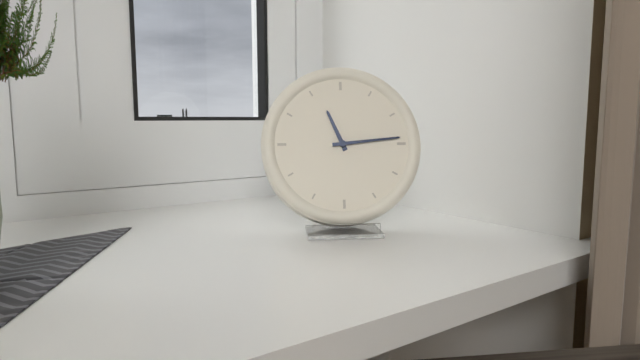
11 h 14 min
